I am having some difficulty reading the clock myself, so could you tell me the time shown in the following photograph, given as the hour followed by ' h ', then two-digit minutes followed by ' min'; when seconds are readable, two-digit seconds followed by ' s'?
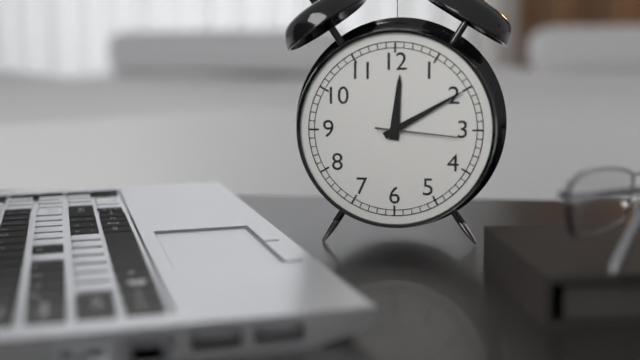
12 h 10 min 16 s
